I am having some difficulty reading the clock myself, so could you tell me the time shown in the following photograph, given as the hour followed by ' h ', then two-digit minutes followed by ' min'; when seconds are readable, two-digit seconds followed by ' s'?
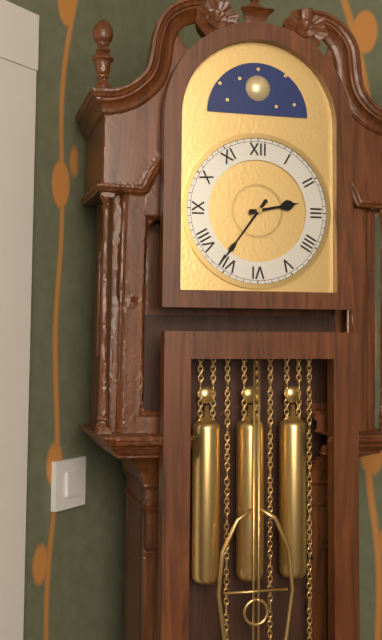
2 h 36 min
